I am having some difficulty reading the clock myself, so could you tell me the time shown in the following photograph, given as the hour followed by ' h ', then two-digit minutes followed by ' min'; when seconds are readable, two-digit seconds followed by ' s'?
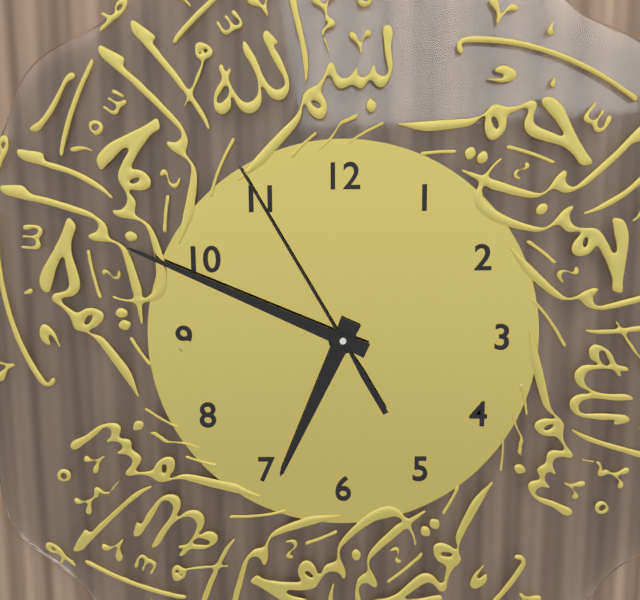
6 h 49 min 55 s
